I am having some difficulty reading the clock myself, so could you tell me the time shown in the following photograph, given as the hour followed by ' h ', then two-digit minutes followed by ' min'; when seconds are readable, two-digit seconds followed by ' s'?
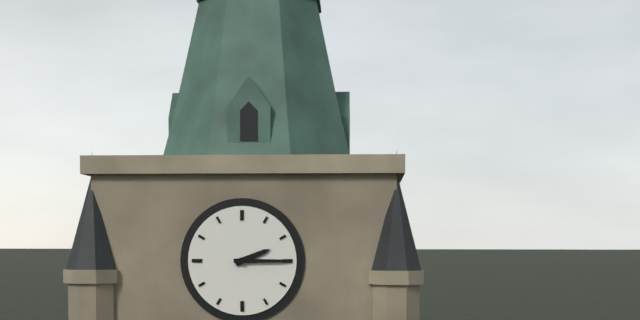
2 h 15 min
